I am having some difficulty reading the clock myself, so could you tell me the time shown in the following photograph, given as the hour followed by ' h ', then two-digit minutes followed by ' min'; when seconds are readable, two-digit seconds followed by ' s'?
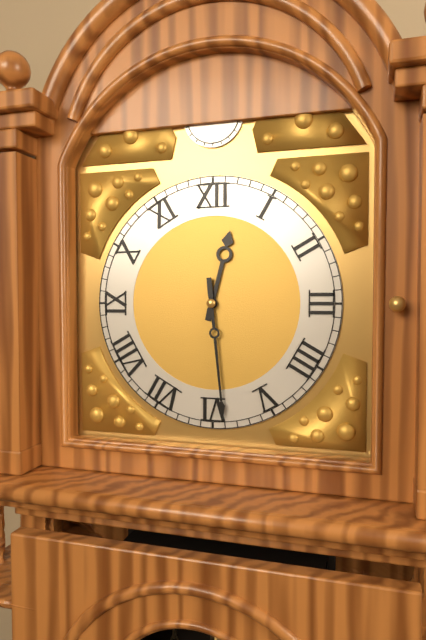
12 h 29 min
